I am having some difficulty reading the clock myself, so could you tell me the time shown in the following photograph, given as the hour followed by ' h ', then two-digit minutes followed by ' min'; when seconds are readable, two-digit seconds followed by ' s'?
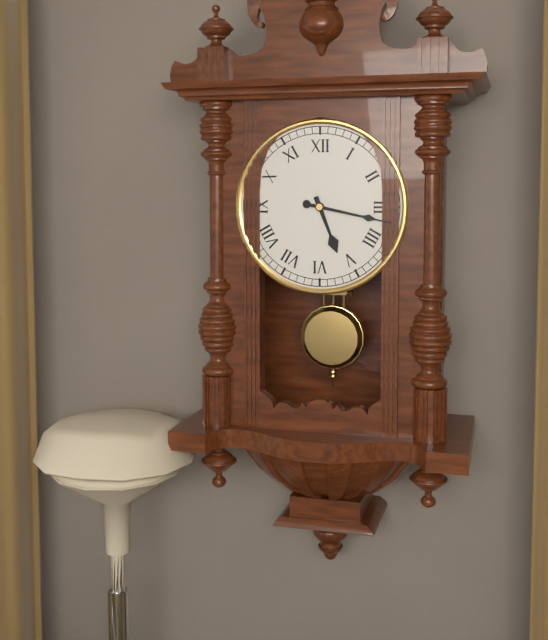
5 h 17 min
